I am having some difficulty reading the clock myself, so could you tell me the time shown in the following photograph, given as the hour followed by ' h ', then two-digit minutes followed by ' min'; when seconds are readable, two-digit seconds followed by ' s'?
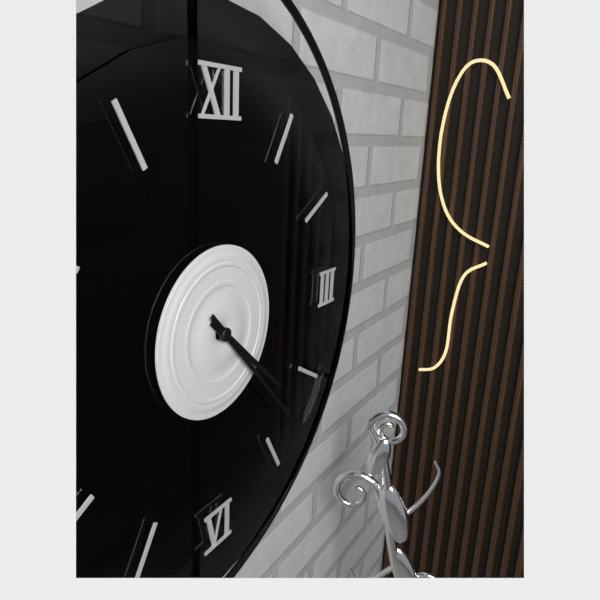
4 h 23 min
